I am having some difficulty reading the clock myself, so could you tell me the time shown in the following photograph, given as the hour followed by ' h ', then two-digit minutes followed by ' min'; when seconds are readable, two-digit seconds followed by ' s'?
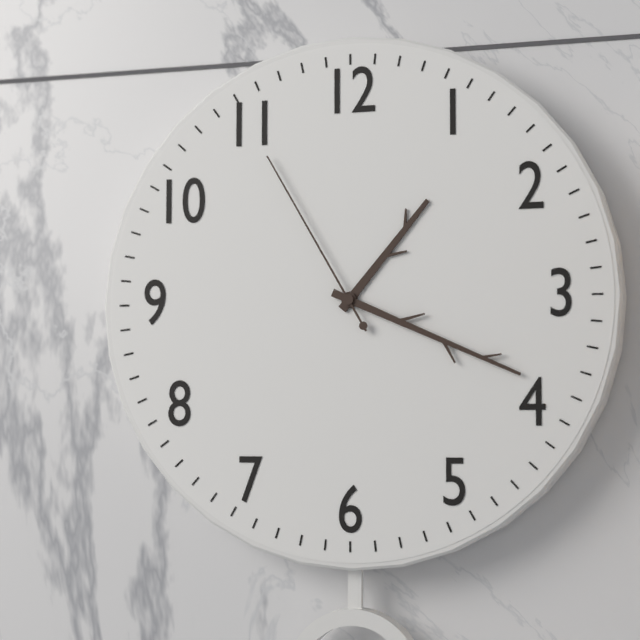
1 h 19 min 55 s
